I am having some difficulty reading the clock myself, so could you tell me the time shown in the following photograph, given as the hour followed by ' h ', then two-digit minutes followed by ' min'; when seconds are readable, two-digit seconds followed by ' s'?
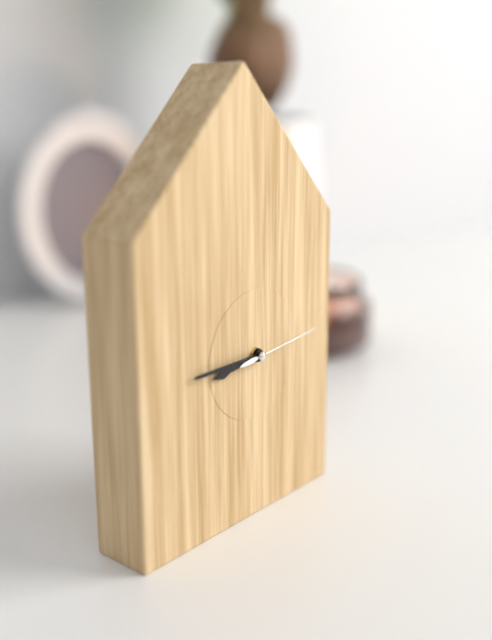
8 h 45 min 14 s
